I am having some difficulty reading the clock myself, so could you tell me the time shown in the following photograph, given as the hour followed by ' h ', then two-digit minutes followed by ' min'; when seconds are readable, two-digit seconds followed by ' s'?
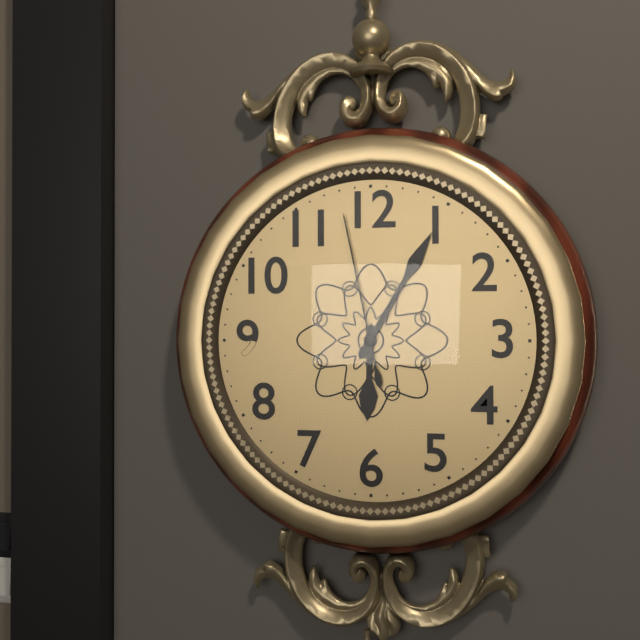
6 h 05 min 58 s
